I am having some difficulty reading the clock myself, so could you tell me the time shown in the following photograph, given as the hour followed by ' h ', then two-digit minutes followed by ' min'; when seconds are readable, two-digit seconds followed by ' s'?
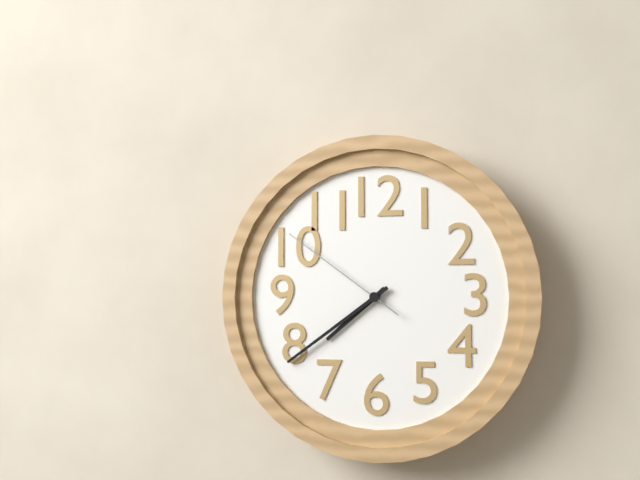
7 h 39 min 51 s
